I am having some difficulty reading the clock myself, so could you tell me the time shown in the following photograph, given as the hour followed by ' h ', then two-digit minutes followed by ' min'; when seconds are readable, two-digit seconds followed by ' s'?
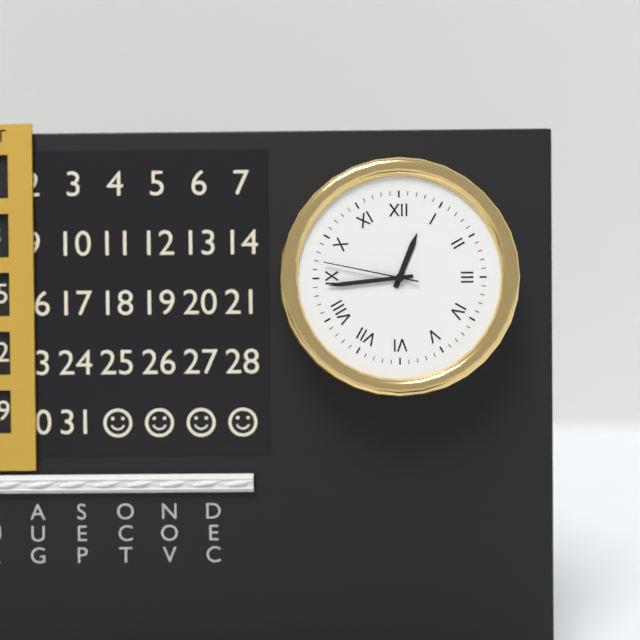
12 h 44 min 47 s
